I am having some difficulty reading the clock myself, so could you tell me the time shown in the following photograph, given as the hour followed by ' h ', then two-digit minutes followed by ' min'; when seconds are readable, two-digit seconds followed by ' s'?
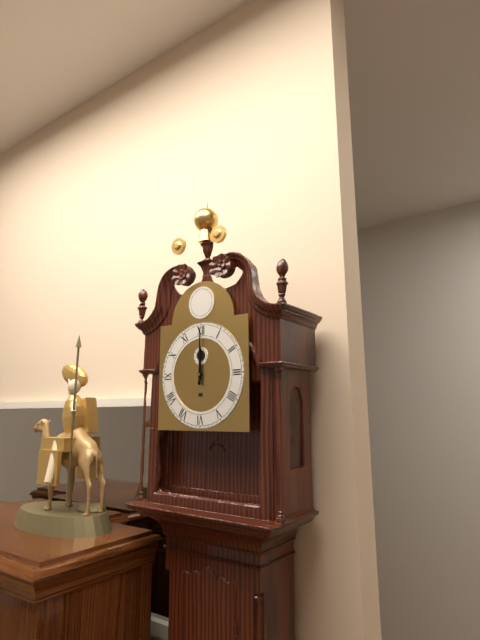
12 h 00 min
